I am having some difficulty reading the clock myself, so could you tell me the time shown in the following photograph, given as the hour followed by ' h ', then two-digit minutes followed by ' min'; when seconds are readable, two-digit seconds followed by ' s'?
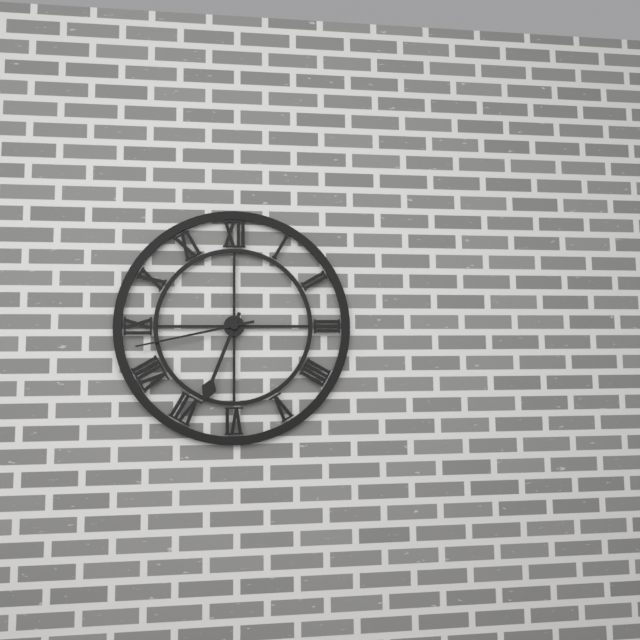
6 h 43 min
